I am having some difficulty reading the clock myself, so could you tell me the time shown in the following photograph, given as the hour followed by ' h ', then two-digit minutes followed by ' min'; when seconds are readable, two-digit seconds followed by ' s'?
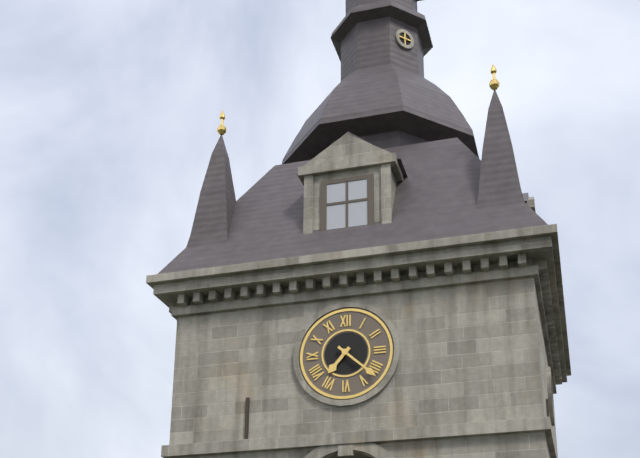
7 h 22 min
